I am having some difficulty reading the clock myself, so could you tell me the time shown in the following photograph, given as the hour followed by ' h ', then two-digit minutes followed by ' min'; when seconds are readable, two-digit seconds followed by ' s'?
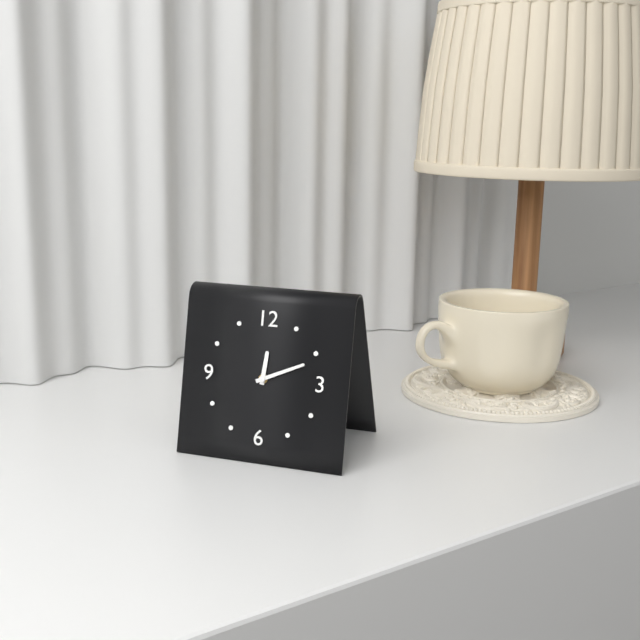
12 h 11 min
